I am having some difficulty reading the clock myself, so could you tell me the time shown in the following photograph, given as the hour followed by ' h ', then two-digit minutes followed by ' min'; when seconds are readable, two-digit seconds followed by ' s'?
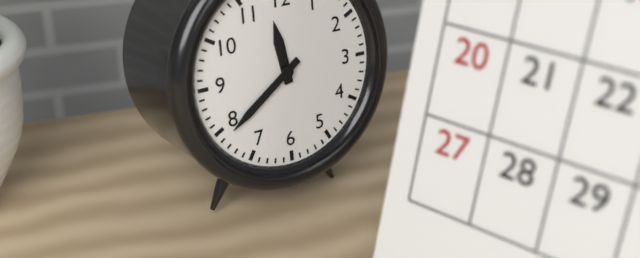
11 h 39 min
